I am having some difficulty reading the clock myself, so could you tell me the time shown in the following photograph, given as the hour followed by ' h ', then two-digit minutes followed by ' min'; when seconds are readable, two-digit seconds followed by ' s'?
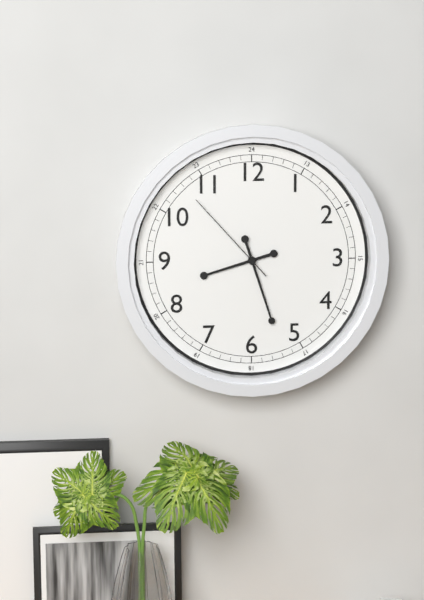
8 h 27 min 53 s
